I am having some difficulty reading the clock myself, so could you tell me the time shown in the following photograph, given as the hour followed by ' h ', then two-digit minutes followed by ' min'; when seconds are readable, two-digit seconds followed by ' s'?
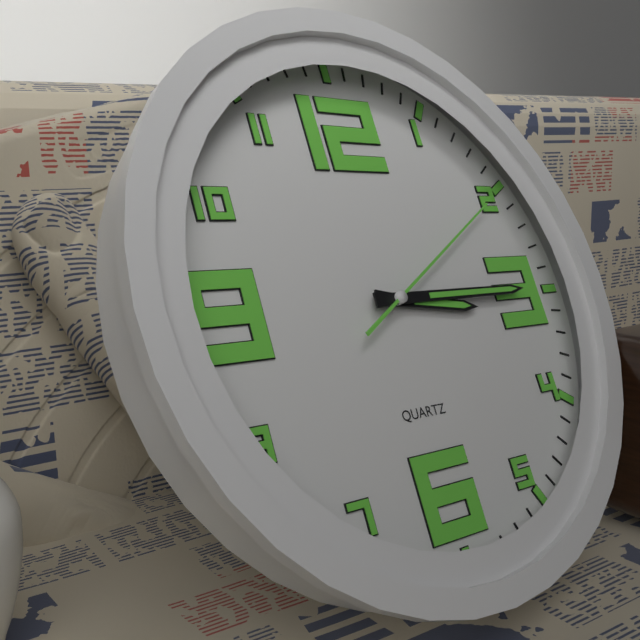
3 h 15 min 10 s
